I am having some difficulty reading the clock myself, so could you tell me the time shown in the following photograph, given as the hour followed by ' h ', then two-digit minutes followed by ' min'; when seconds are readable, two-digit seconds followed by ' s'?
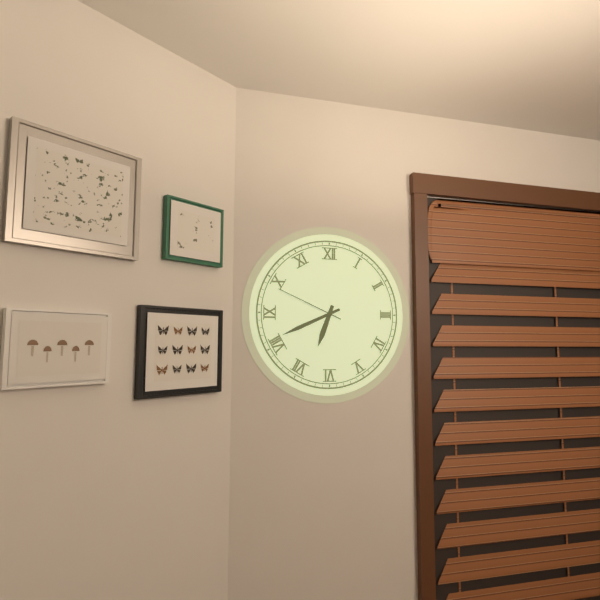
6 h 41 min 49 s
